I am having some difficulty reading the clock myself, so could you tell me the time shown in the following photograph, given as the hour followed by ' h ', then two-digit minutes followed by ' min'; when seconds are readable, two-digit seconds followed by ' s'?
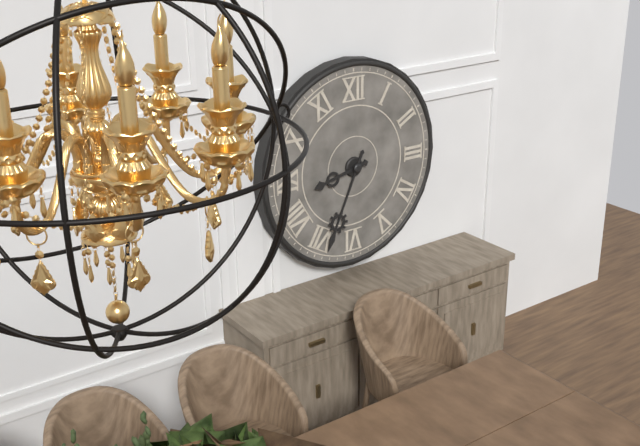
8 h 34 min
